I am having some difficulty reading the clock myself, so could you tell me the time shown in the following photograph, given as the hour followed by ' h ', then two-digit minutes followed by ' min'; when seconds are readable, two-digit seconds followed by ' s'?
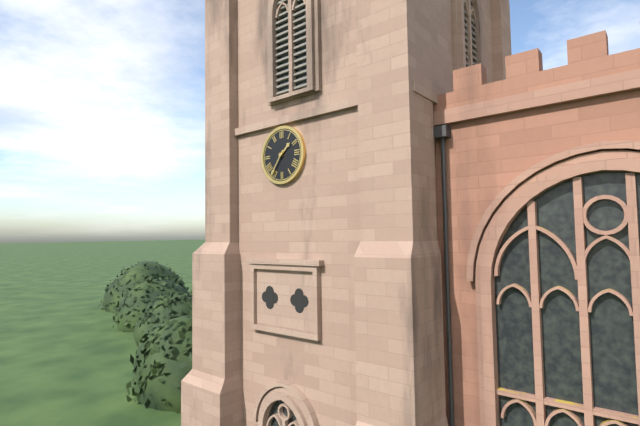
1 h 36 min
